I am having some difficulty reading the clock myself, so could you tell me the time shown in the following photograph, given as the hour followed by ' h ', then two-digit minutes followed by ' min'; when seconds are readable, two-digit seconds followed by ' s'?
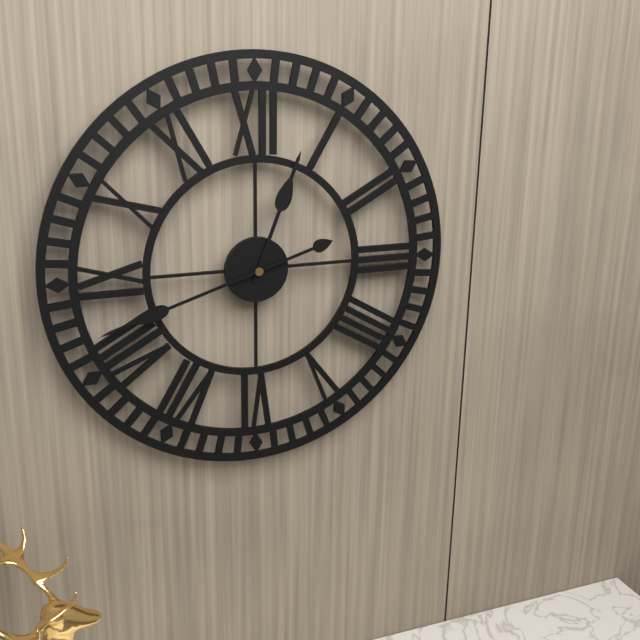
12 h 42 min
